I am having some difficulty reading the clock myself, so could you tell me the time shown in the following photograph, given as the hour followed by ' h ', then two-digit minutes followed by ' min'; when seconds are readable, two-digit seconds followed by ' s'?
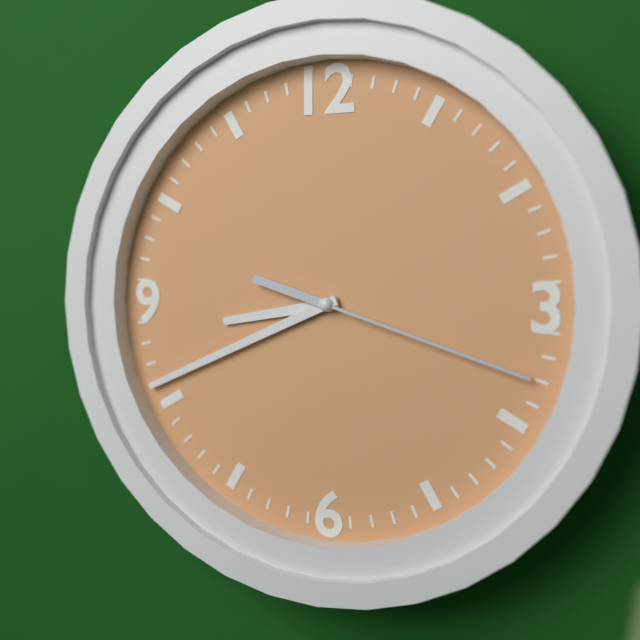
8 h 41 min 18 s
